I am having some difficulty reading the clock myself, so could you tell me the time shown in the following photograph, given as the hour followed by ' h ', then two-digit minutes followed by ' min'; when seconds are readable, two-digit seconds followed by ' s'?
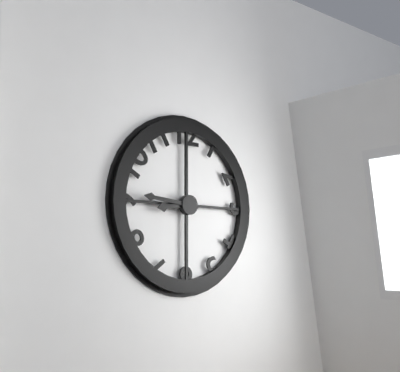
8 h 46 min
